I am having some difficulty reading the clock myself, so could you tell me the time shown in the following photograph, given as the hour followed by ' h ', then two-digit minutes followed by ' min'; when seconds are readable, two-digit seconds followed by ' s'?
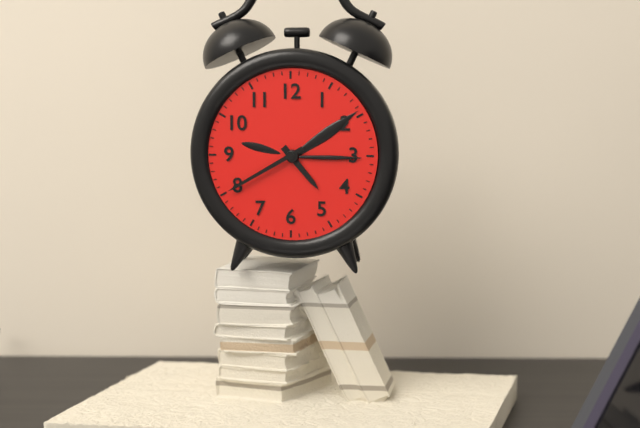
4 h 40 min
